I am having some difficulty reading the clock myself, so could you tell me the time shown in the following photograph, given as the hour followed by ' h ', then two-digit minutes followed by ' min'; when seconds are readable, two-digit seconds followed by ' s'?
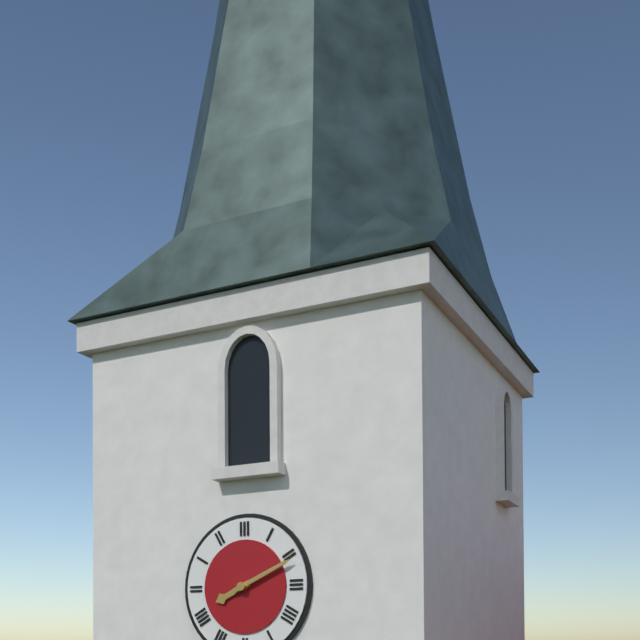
8 h 11 min
